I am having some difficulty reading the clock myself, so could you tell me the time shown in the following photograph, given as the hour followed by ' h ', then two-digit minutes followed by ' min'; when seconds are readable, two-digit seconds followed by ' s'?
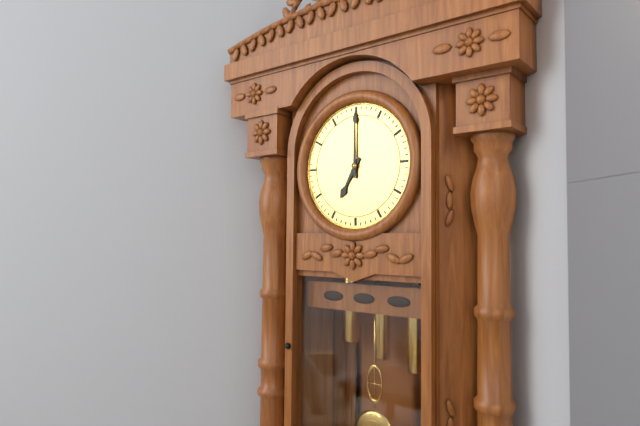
7 h 00 min
